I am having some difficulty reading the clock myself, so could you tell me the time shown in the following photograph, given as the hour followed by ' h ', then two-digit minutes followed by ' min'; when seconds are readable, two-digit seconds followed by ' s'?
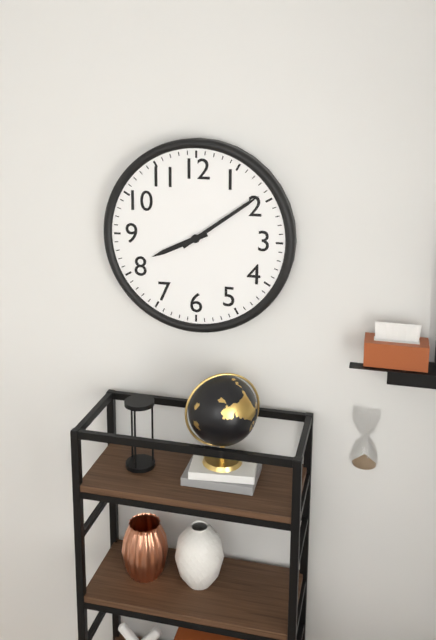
8 h 09 min
